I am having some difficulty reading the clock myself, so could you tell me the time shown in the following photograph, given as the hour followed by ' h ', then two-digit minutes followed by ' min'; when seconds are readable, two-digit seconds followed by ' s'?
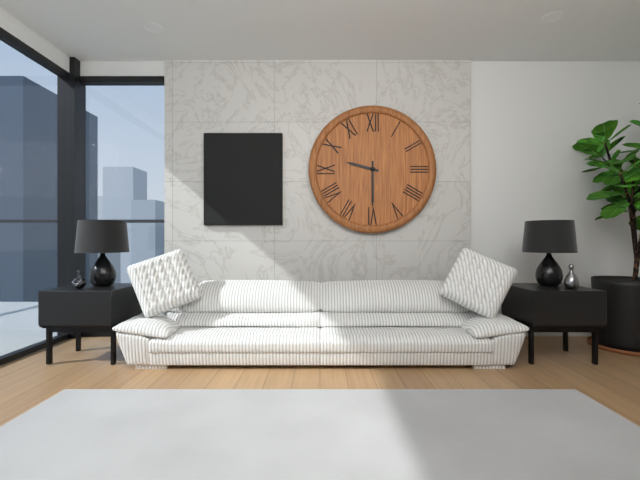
9 h 30 min
